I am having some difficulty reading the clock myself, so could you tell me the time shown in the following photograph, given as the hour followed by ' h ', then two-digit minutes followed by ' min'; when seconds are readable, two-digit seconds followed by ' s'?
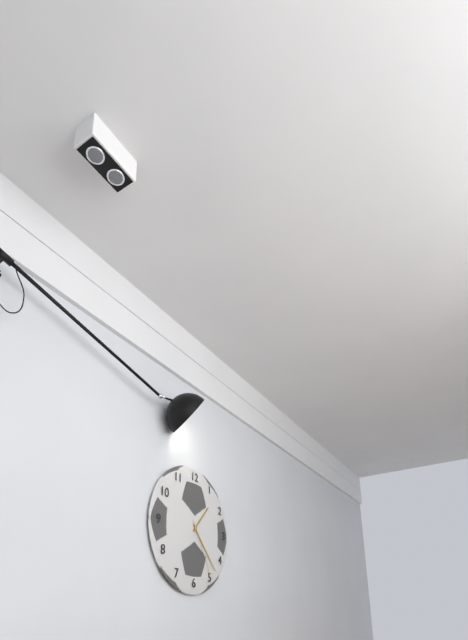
1 h 23 min 25 s
